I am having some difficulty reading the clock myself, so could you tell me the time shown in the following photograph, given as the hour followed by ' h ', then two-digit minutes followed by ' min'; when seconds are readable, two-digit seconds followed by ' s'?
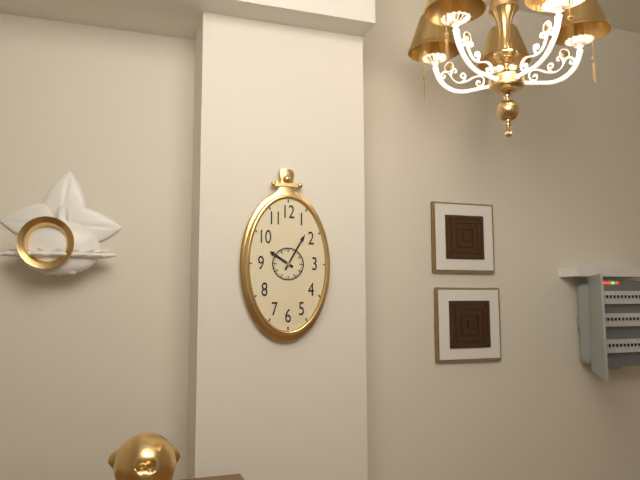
10 h 05 min
